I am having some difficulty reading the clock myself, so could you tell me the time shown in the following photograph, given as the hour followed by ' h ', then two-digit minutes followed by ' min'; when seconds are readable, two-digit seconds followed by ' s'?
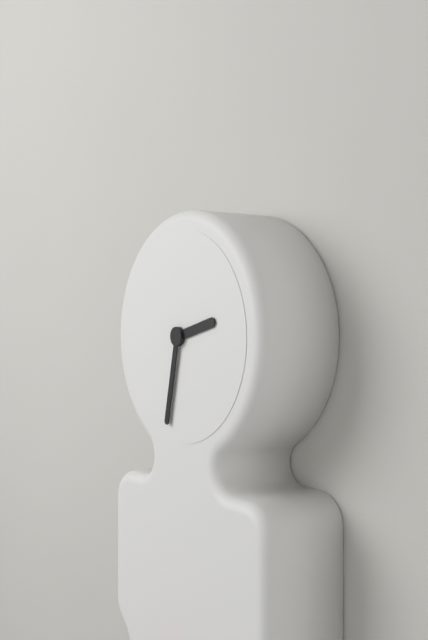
2 h 32 min
